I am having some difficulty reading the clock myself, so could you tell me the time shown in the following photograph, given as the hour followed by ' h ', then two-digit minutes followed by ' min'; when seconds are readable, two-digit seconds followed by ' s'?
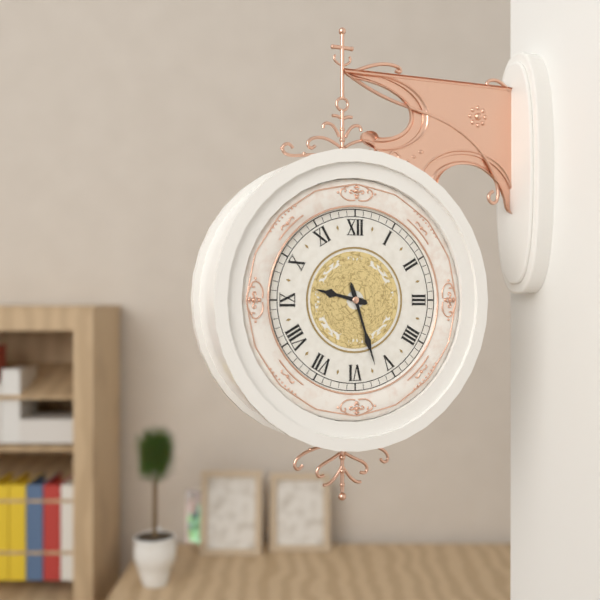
9 h 27 min
